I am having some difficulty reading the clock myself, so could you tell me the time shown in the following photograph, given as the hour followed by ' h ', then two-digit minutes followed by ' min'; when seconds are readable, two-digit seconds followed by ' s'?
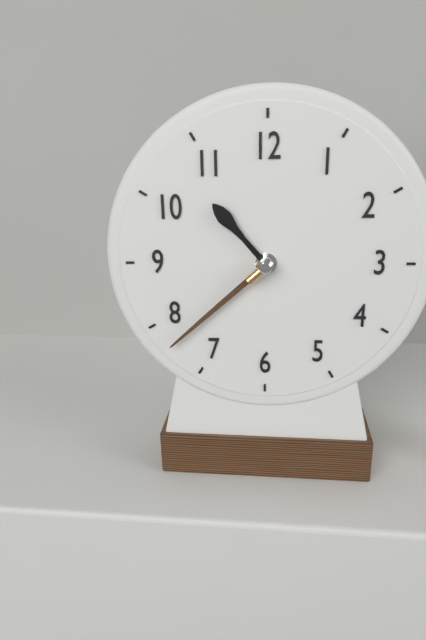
10 h 38 min
